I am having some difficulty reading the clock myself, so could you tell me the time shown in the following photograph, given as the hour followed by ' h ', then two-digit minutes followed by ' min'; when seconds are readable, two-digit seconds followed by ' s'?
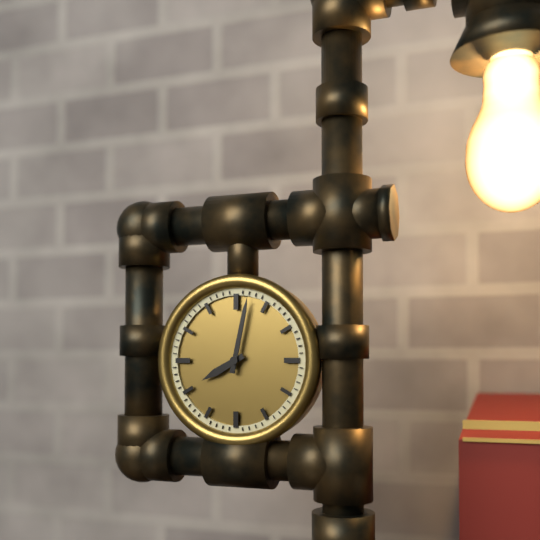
8 h 02 min
